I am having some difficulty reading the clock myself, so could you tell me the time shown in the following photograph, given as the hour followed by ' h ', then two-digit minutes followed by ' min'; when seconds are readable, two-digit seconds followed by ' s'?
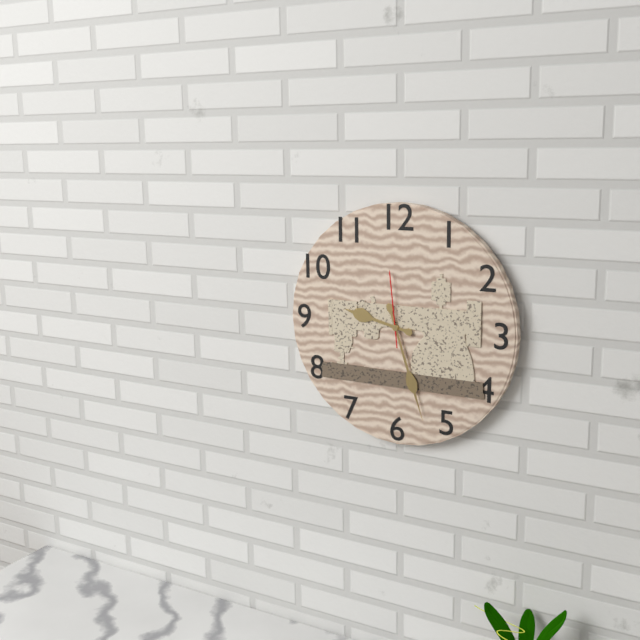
9 h 27 min 59 s
